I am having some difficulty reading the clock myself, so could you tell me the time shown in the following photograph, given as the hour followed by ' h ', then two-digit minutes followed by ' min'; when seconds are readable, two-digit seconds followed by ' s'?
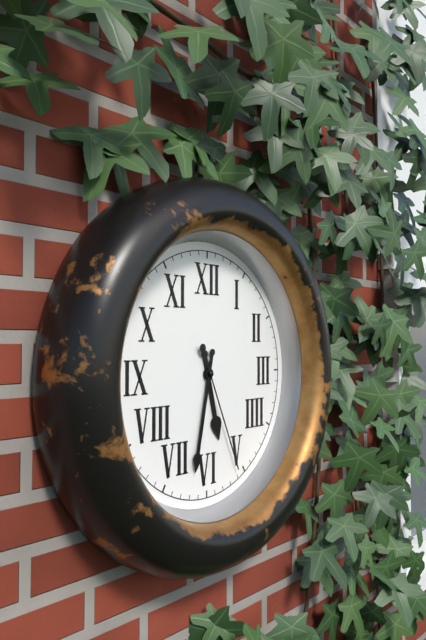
5 h 32 min 26 s
